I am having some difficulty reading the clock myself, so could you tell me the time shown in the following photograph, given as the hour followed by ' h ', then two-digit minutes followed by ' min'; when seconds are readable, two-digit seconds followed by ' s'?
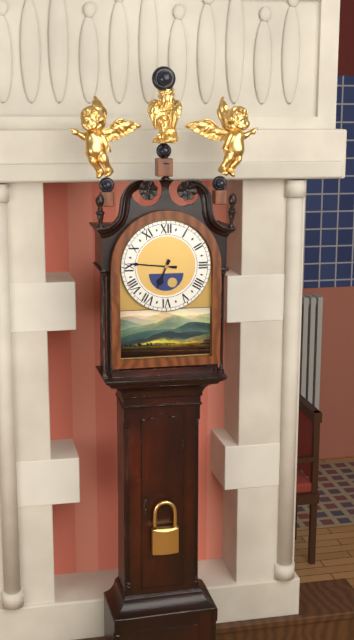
6 h 46 min
